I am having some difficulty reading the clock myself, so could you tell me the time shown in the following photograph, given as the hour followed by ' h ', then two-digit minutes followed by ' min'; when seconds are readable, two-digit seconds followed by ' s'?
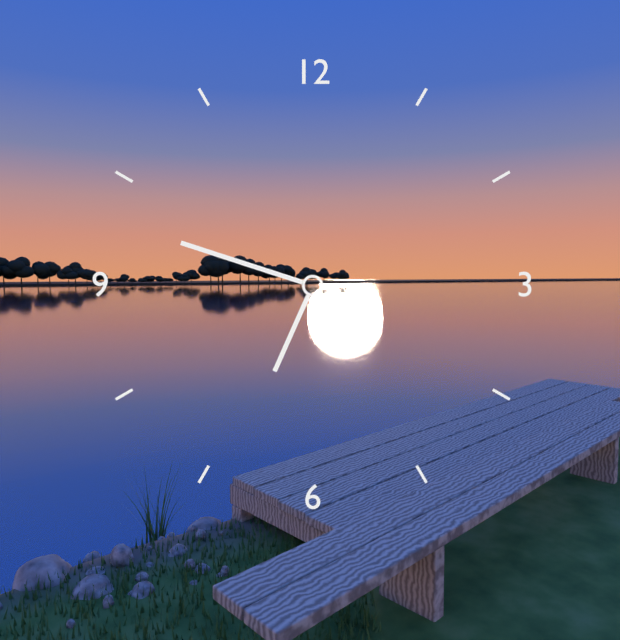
6 h 48 min
